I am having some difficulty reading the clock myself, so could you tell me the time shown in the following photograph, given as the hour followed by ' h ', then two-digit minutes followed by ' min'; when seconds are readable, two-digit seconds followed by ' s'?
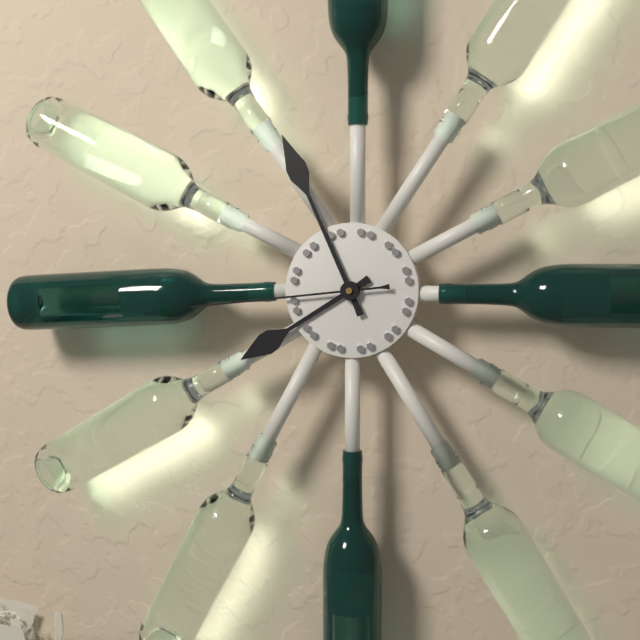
7 h 56 min 44 s
